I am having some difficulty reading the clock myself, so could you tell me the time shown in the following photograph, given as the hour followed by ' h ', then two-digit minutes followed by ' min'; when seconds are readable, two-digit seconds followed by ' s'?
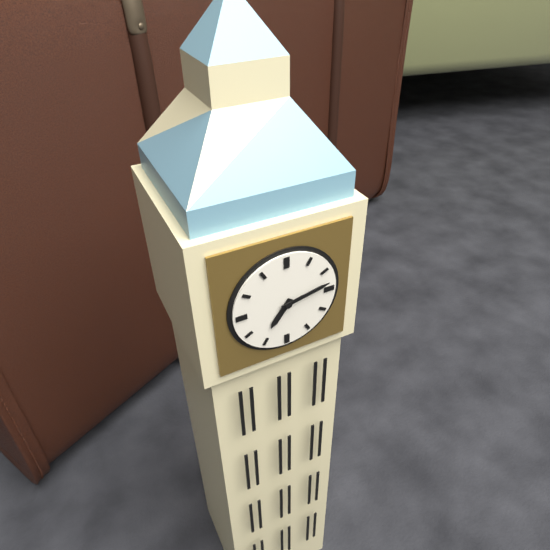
7 h 13 min
